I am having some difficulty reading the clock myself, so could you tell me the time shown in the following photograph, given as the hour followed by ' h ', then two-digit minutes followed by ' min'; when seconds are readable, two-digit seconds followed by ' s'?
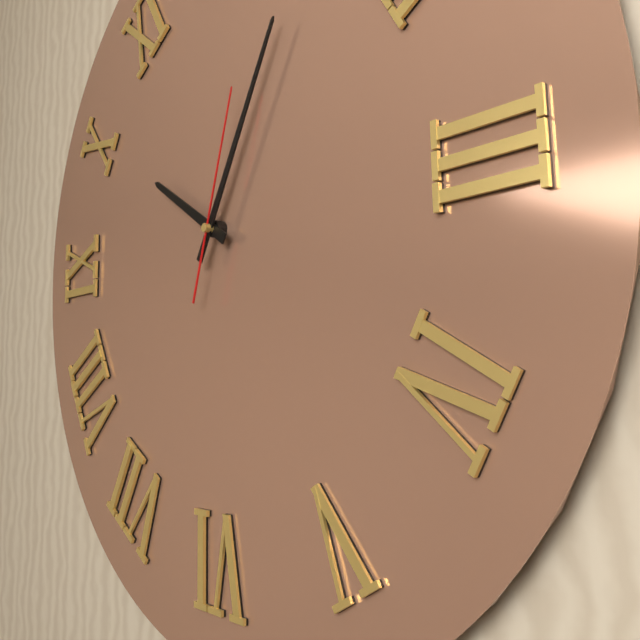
10 h 05 min 03 s
